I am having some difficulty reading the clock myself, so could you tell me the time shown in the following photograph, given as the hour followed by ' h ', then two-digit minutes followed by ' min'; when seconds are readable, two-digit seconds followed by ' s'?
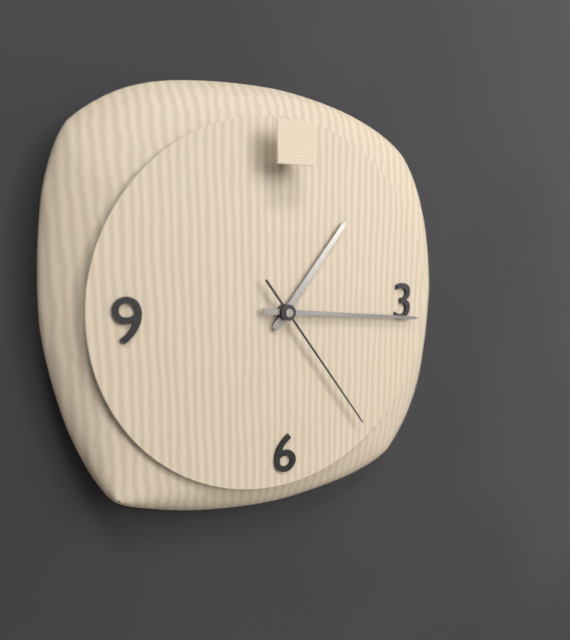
1 h 16 min 24 s
